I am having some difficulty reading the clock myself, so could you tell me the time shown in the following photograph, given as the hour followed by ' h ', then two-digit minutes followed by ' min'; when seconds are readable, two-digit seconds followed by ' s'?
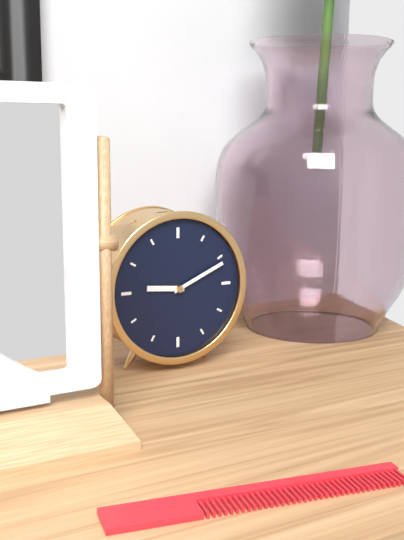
9 h 11 min
